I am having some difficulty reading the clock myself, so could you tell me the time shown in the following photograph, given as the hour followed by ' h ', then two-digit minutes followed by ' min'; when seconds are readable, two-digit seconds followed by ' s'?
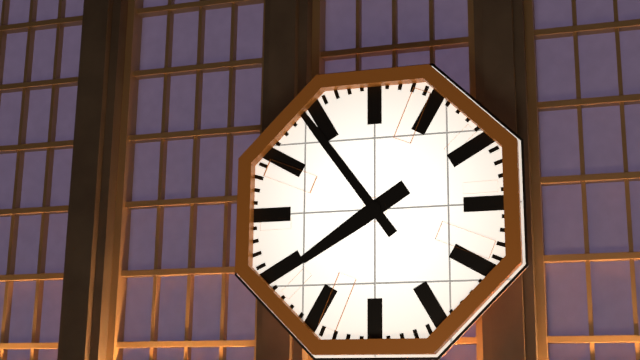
7 h 54 min
